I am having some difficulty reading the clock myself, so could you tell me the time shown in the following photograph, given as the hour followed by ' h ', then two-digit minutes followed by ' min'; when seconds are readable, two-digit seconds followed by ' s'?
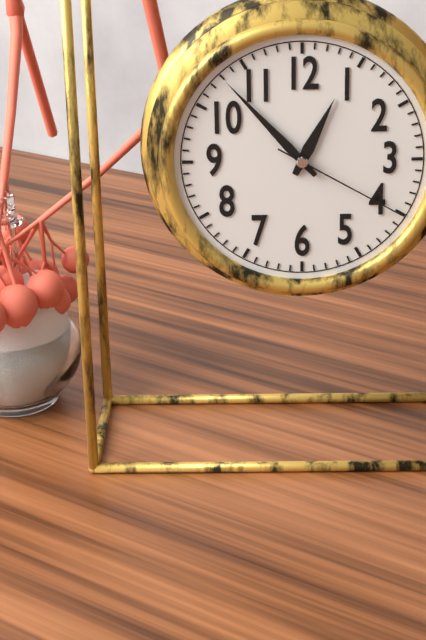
12 h 53 min 20 s
